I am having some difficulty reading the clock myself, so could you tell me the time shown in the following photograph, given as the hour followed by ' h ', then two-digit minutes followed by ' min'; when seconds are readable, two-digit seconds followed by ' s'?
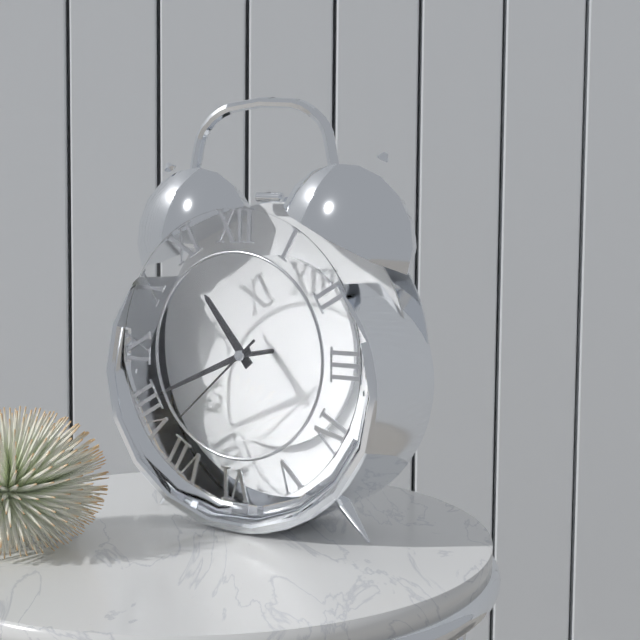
10 h 41 min 38 s
